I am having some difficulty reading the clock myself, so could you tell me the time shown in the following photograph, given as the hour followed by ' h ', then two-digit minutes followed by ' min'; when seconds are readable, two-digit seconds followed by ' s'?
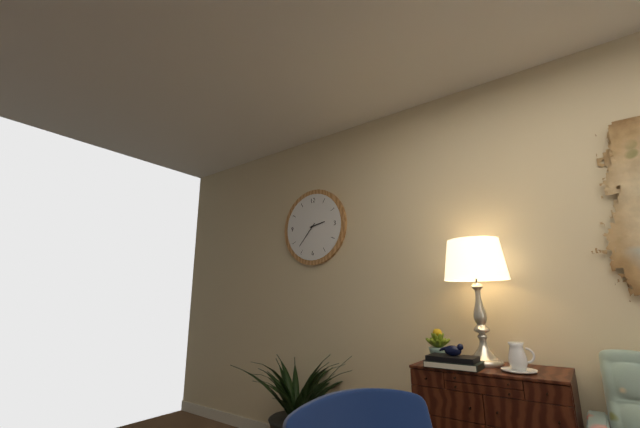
2 h 37 min
